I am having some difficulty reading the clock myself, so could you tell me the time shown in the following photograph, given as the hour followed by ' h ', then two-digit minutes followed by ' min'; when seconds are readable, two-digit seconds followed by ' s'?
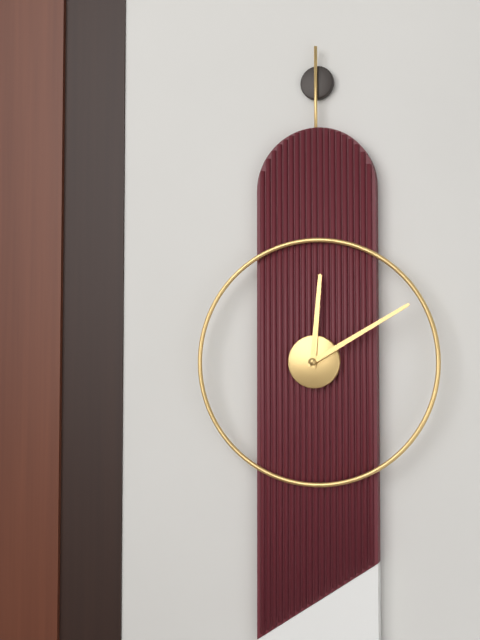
12 h 10 min
